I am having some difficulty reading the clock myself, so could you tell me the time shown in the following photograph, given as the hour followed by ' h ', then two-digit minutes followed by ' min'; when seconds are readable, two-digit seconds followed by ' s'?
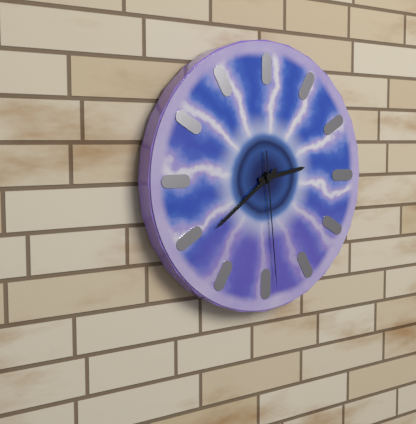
2 h 39 min 29 s
